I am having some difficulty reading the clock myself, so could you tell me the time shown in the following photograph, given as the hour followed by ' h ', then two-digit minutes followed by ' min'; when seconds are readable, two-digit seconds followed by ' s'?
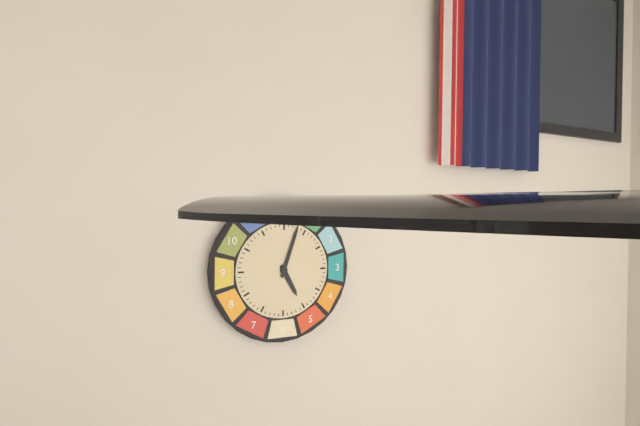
5 h 03 min
